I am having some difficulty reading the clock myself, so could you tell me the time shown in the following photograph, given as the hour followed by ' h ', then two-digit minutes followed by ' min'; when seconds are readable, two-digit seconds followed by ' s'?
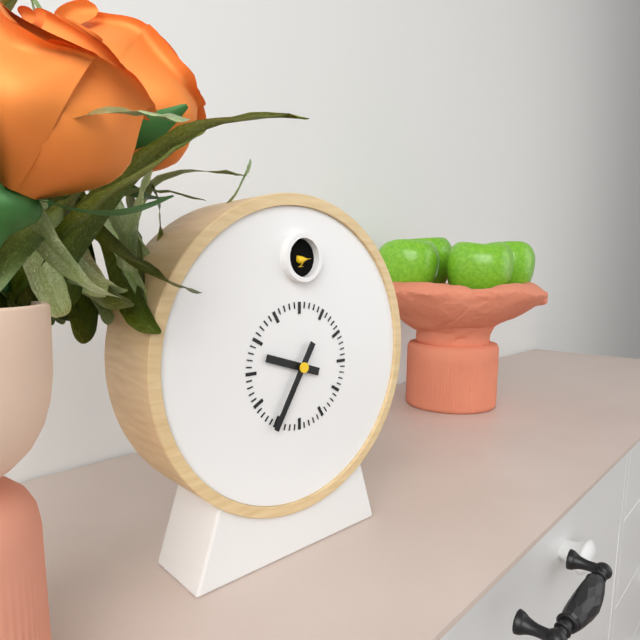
9 h 35 min
